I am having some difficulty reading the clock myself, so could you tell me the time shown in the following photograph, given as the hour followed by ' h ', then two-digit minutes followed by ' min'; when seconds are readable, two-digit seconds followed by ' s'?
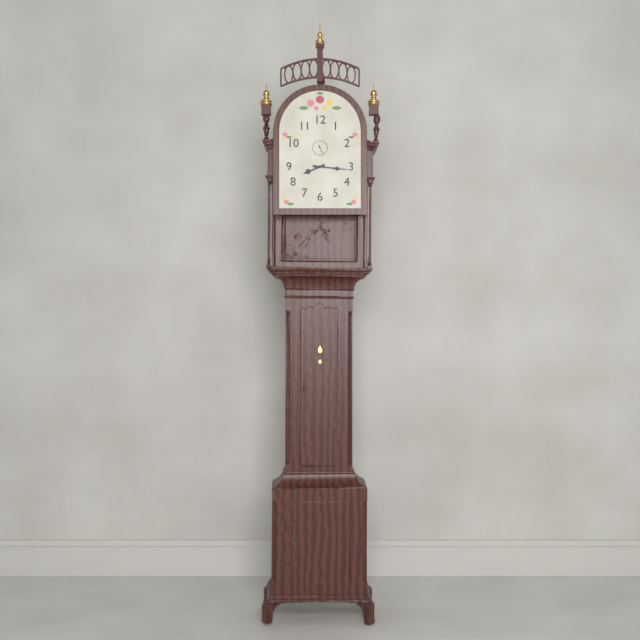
8 h 16 min
